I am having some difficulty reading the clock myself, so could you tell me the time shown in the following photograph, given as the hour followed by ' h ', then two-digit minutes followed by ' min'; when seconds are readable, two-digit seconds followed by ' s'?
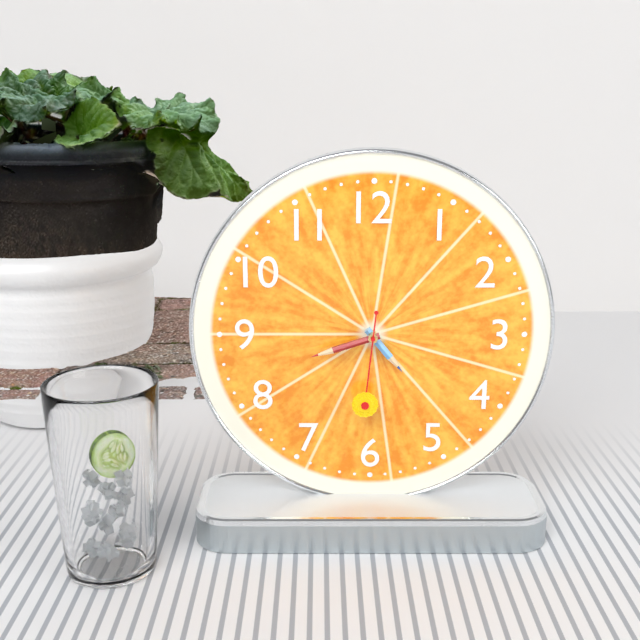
4 h 42 min 31 s
